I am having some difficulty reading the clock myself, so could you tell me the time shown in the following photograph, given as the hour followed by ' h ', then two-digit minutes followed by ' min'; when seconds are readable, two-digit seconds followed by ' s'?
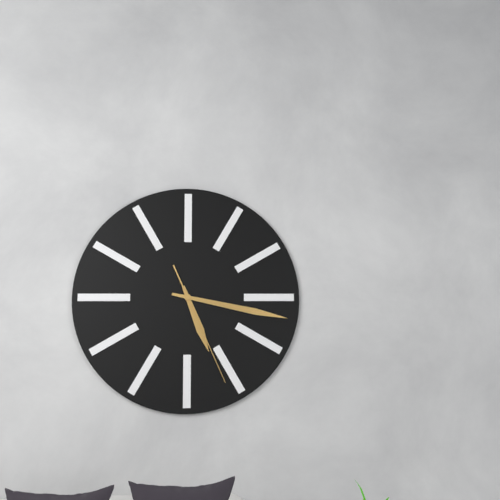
5 h 17 min 26 s
